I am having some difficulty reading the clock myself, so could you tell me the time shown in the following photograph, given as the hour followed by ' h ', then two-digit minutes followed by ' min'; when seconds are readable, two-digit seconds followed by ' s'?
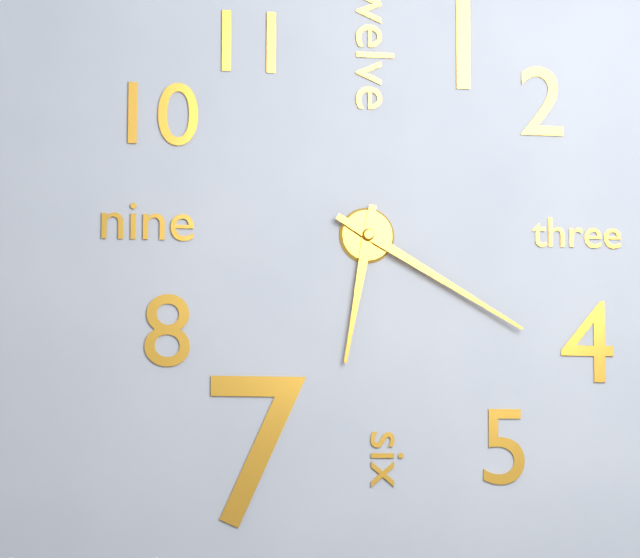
6 h 20 min
